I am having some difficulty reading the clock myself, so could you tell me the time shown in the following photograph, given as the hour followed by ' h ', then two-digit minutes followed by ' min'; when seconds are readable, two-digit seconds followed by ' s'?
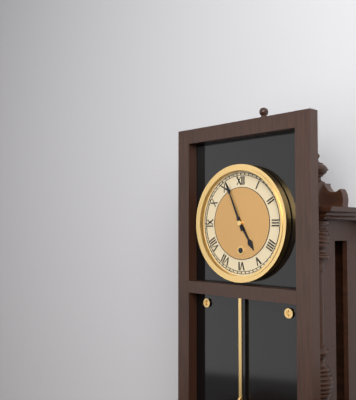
4 h 56 min
